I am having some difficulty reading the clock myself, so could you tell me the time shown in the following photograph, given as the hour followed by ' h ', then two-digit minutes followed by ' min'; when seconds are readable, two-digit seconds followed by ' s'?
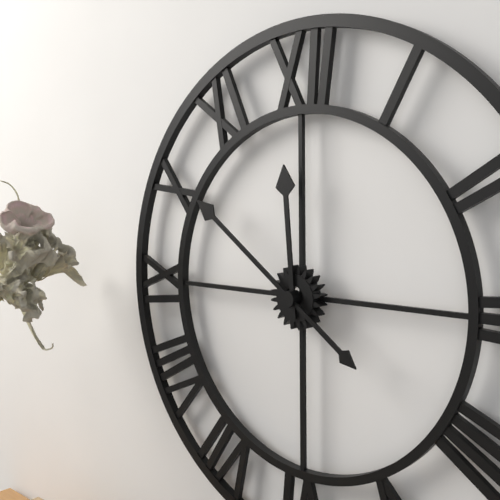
11 h 51 min
